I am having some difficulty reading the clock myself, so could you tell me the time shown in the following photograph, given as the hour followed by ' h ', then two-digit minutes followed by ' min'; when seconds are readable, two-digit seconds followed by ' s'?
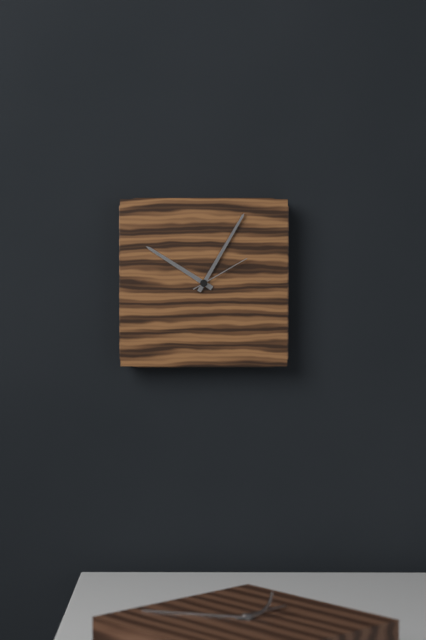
10 h 05 min 10 s
